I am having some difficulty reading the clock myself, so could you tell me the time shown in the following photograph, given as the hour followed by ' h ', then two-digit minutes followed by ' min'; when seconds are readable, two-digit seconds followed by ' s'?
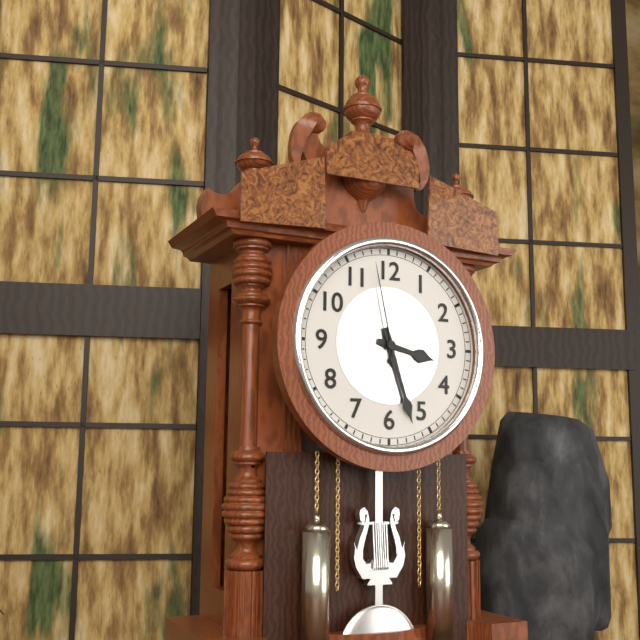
3 h 27 min 58 s
